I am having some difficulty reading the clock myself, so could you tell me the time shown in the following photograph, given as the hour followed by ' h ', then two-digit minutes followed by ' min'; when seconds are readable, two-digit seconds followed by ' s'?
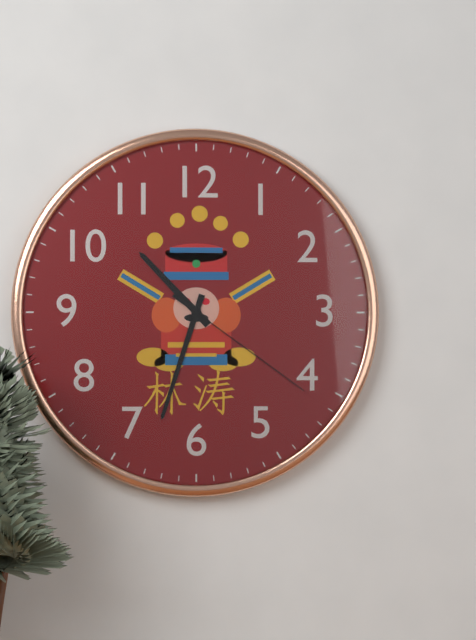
10 h 33 min 21 s
